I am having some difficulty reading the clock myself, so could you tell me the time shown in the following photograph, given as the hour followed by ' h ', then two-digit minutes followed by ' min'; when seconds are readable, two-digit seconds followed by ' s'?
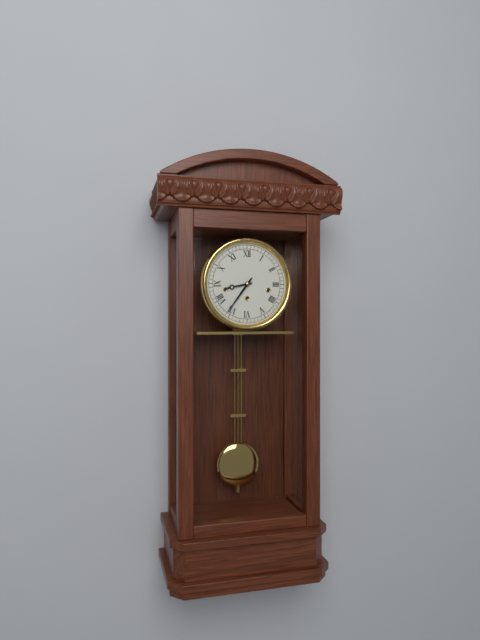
8 h 36 min
